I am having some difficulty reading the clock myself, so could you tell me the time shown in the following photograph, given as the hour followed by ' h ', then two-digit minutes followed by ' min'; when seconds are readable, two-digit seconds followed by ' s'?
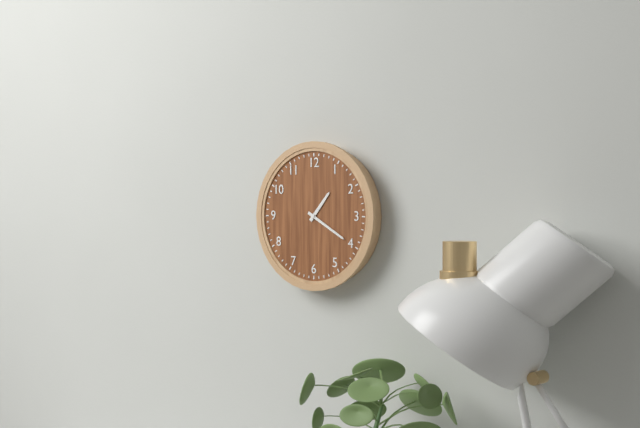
1 h 20 min
